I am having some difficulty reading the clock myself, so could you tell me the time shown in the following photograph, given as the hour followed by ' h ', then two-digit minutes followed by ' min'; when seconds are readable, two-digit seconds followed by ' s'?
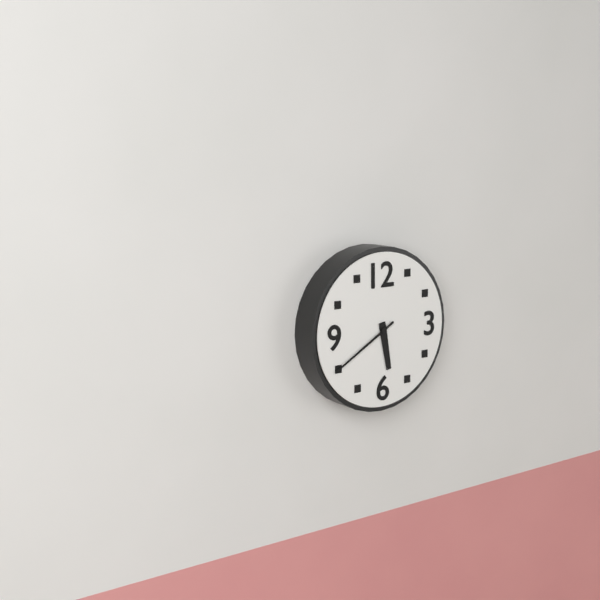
5 h 40 min
